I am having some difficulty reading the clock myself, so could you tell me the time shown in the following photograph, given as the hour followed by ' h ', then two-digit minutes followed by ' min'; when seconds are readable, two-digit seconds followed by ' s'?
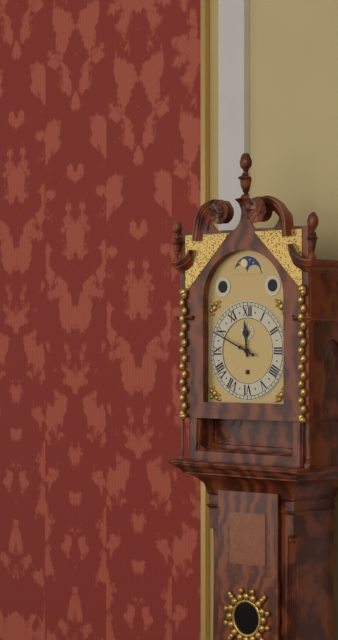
11 h 49 min
